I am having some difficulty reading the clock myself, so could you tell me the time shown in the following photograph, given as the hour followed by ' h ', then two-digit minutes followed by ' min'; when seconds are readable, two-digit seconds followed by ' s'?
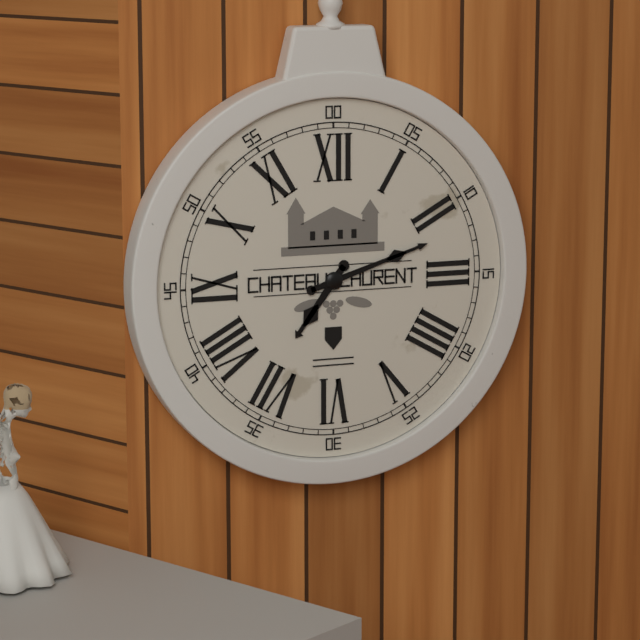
7 h 12 min
